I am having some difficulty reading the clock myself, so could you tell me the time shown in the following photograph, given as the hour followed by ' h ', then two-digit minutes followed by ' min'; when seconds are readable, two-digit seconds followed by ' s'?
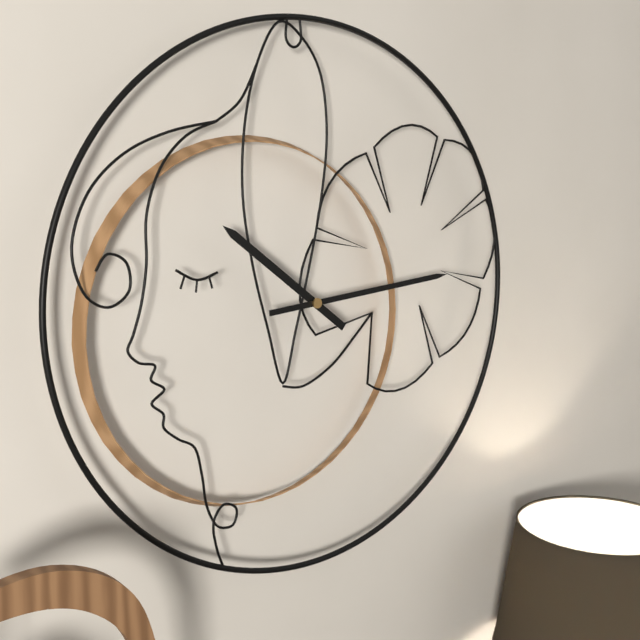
10 h 14 min
